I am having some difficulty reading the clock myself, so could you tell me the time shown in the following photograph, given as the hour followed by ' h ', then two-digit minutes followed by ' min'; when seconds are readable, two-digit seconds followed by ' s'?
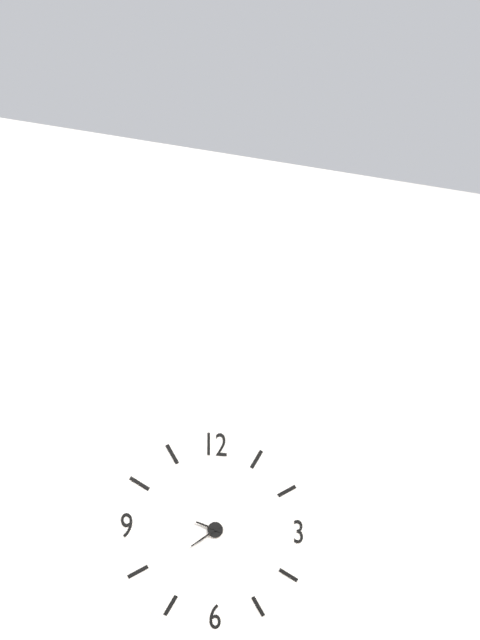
9 h 39 min
